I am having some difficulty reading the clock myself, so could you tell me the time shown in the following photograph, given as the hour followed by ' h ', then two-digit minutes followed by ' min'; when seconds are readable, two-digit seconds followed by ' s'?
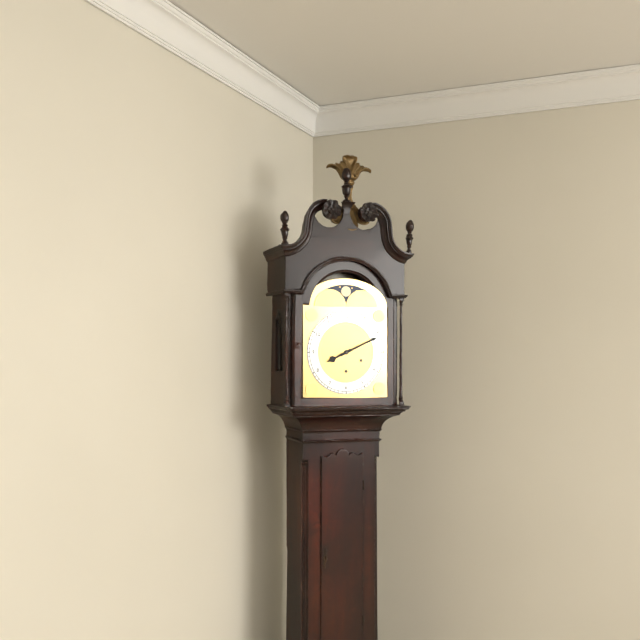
8 h 11 min
